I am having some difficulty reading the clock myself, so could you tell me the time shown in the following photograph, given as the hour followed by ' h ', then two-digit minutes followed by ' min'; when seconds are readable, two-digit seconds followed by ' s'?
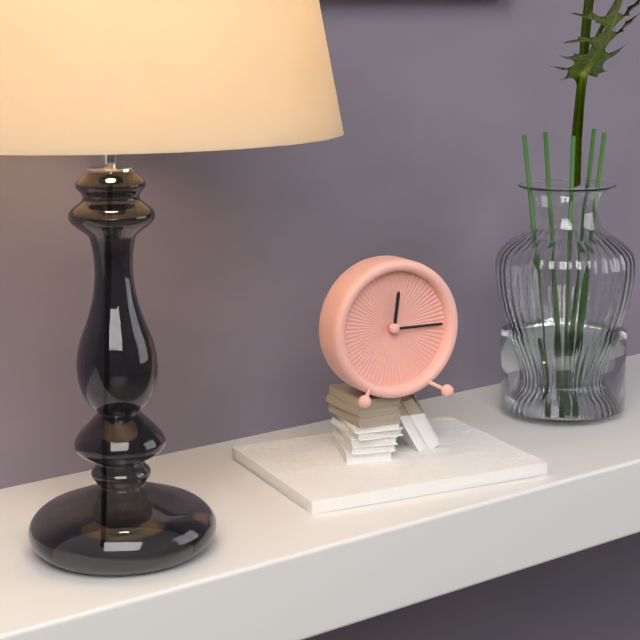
12 h 15 min
